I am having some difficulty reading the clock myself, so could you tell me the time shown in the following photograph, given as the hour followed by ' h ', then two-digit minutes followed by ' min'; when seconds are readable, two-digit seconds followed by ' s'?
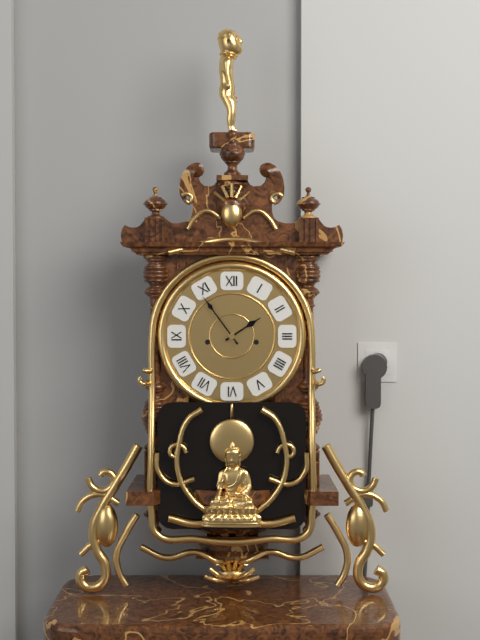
1 h 54 min
